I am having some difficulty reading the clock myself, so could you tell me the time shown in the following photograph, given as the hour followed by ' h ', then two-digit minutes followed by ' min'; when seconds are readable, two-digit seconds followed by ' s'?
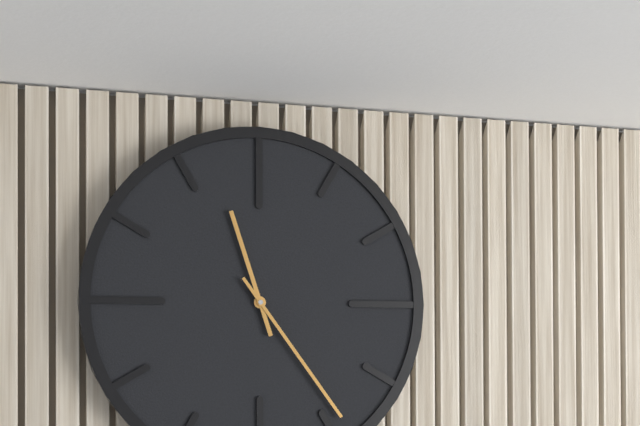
11 h 24 min
